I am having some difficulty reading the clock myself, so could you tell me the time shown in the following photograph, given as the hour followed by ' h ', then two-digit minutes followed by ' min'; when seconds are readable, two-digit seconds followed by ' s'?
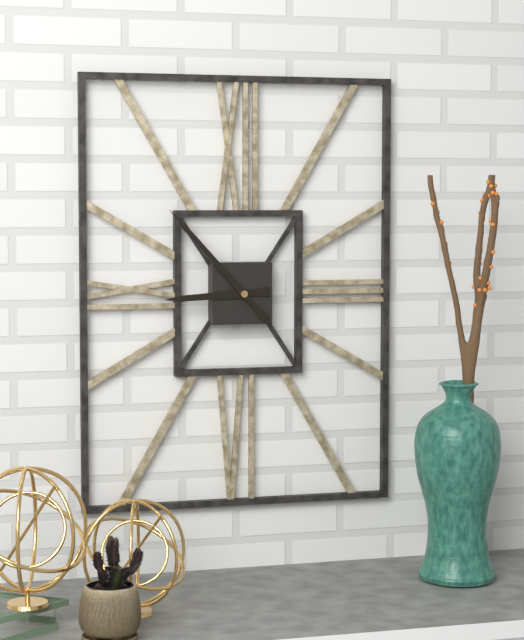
8 h 53 min
